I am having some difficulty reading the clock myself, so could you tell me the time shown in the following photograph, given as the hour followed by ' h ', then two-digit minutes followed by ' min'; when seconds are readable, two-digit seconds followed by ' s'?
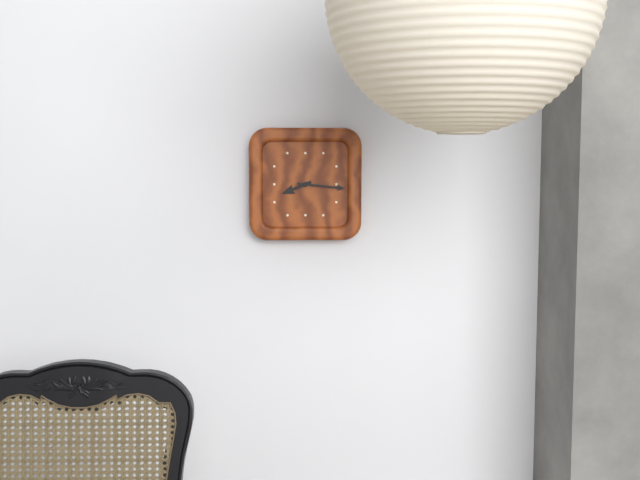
8 h 16 min
